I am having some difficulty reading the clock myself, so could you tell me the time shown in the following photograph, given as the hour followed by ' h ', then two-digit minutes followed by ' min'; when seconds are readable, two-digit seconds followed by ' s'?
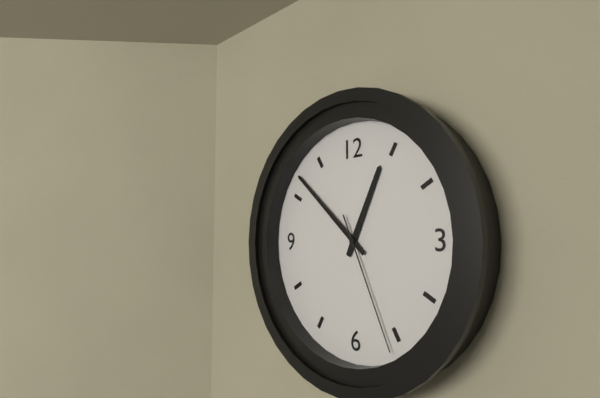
12 h 52 min 26 s
